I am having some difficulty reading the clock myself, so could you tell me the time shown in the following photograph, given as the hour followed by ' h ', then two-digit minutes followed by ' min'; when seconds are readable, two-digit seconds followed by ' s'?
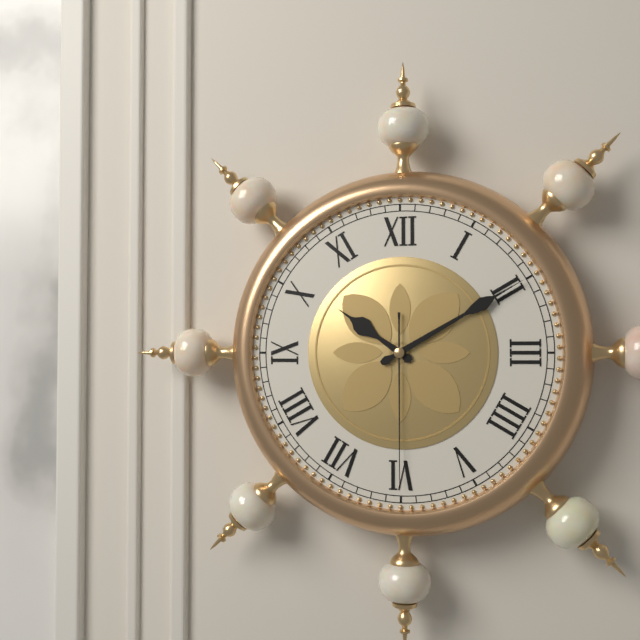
10 h 10 min 30 s
